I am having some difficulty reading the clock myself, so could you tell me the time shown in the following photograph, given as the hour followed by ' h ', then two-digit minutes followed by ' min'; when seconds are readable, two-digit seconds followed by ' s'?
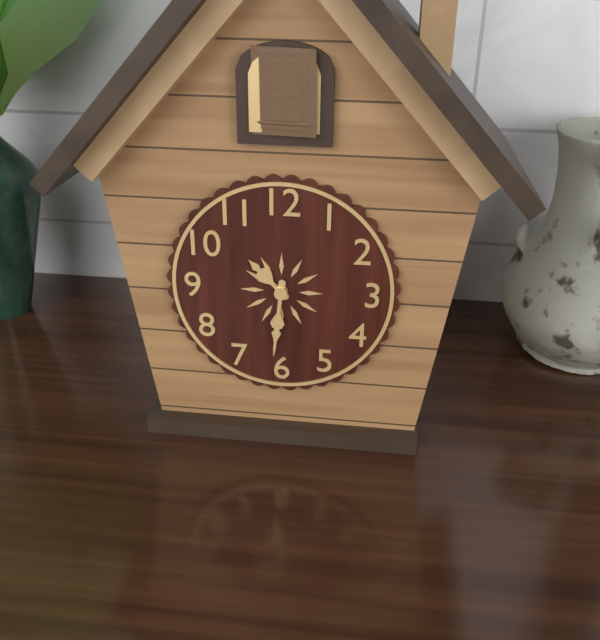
10 h 31 min
